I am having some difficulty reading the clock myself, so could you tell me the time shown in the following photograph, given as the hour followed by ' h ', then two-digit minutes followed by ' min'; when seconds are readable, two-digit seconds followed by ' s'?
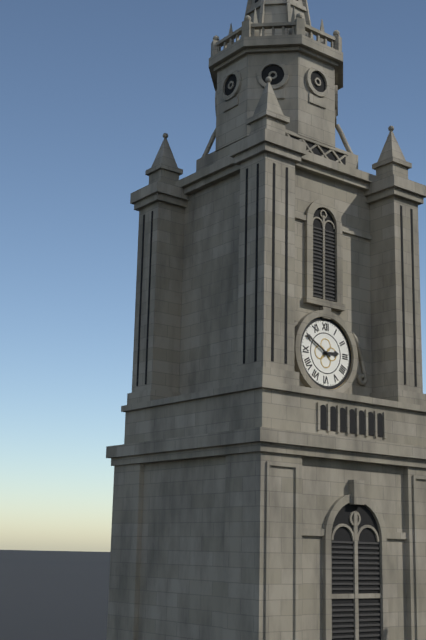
2 h 50 min
